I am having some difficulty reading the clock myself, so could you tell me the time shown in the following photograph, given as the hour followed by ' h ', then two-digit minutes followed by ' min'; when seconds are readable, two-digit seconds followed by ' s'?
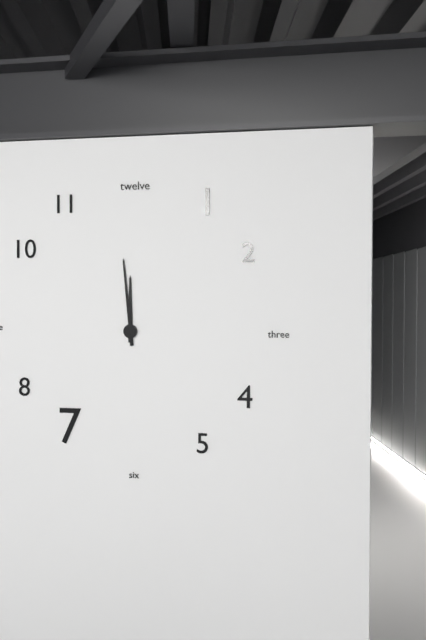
11 h 59 min
